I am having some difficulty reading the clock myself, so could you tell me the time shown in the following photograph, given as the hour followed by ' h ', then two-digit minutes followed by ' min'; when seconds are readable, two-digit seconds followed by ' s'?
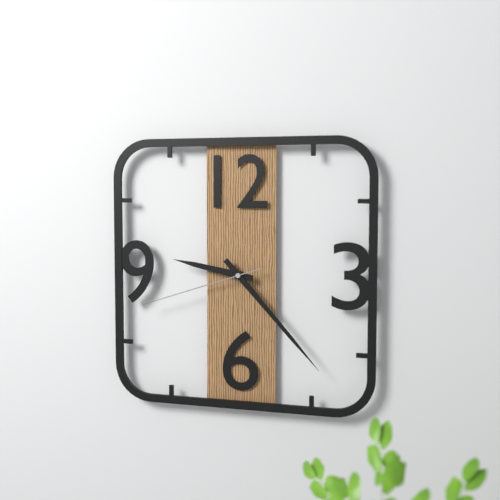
9 h 23 min 42 s
